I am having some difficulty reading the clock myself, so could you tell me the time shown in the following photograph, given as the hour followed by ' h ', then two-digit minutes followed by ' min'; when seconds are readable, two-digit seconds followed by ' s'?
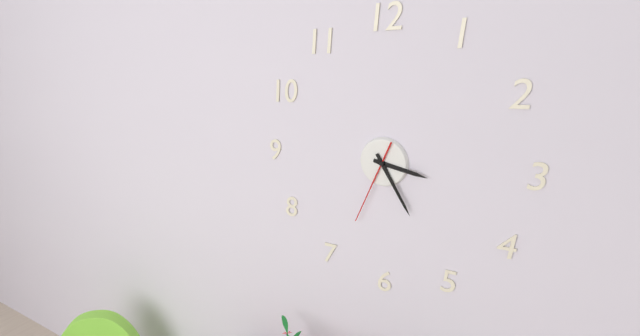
3 h 25 min 34 s
